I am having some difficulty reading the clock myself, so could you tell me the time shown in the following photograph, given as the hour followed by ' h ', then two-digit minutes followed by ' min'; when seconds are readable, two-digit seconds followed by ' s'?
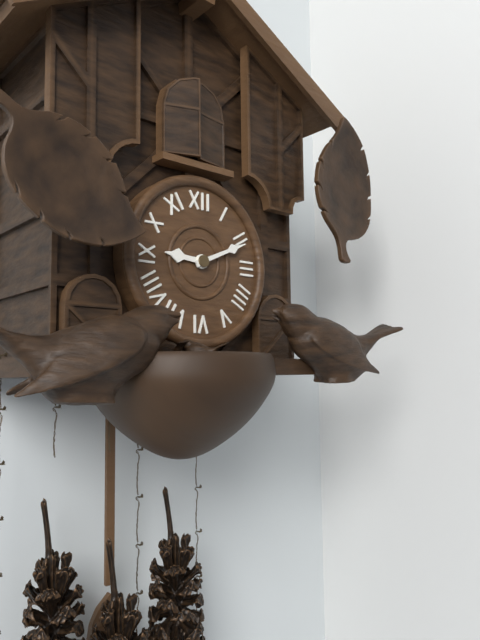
9 h 11 min
